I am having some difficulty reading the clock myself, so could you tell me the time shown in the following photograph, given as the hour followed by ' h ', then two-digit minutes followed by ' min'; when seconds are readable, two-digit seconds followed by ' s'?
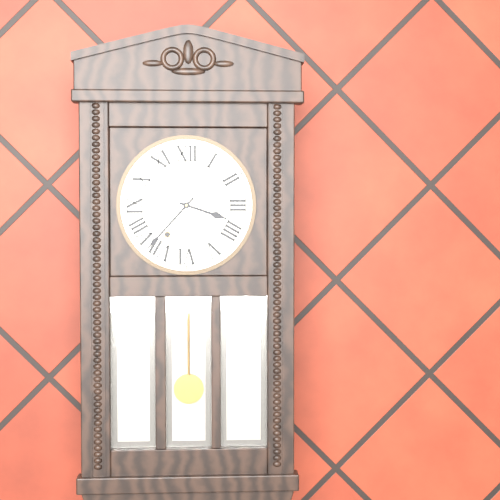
3 h 37 min
